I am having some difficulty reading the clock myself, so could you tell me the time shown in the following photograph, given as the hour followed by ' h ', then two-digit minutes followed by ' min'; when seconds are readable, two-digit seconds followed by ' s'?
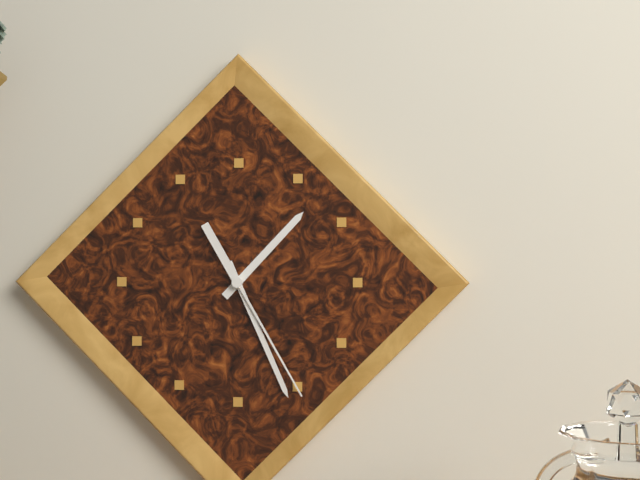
1 h 26 min 25 s
